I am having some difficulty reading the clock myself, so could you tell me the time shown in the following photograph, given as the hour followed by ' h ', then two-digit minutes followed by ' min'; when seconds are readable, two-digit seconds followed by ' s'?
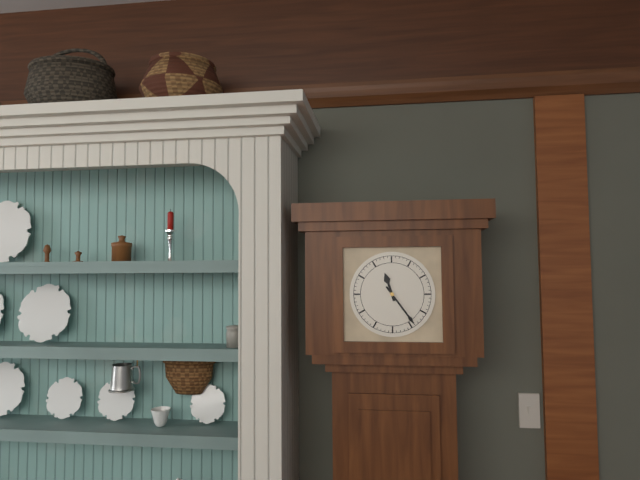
11 h 24 min
